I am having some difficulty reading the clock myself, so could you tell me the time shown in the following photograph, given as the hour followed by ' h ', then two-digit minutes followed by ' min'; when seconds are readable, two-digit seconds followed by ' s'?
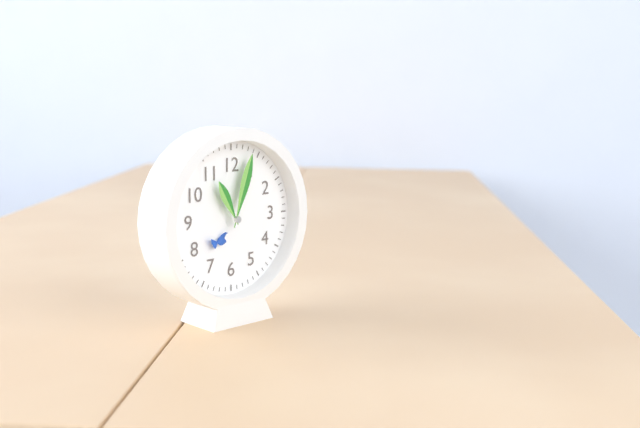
11 h 03 min
